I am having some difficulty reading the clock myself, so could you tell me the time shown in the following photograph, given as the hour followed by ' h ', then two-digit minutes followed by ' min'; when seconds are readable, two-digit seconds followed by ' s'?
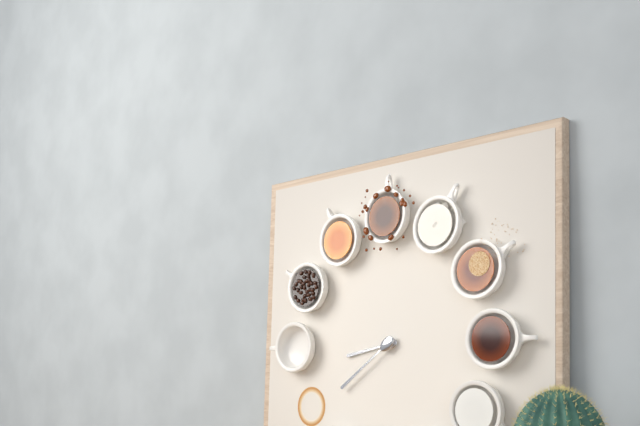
8 h 39 min
